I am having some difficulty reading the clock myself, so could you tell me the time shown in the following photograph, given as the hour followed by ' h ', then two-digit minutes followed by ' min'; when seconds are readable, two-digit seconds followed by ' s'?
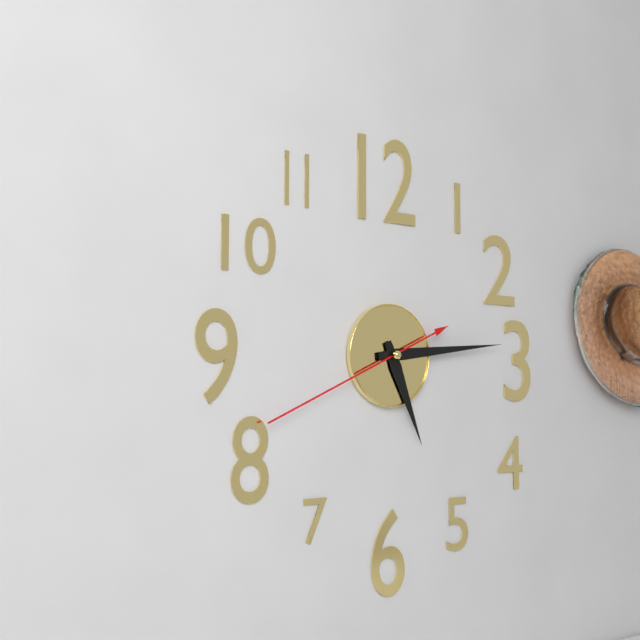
5 h 14 min 41 s
